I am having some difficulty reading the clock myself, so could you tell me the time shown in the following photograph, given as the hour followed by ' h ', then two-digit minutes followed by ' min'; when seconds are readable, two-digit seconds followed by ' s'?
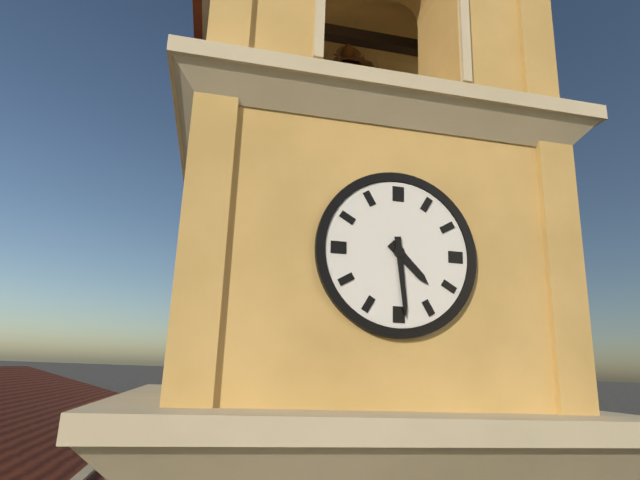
4 h 29 min
